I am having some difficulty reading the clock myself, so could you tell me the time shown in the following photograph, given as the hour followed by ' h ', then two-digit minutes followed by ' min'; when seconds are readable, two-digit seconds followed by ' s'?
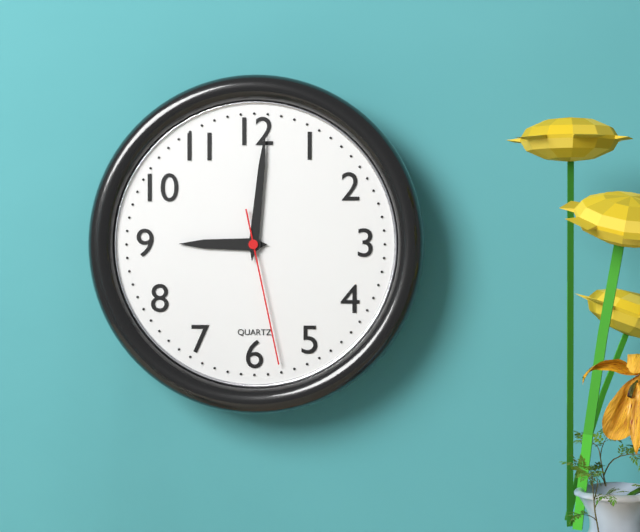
9 h 01 min 28 s
